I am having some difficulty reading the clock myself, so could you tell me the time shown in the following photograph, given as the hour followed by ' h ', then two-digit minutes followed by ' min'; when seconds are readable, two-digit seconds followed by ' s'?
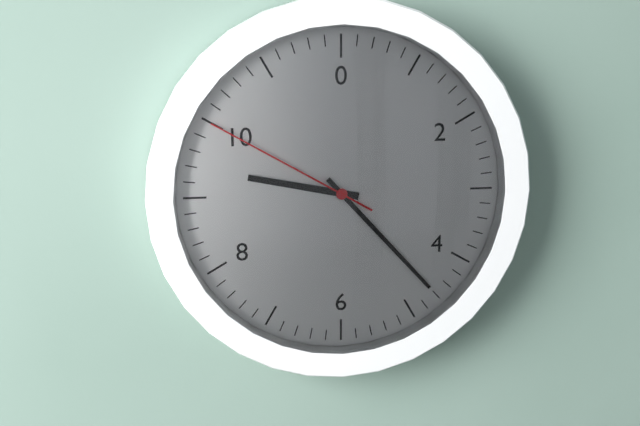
9 h 23 min 50 s
